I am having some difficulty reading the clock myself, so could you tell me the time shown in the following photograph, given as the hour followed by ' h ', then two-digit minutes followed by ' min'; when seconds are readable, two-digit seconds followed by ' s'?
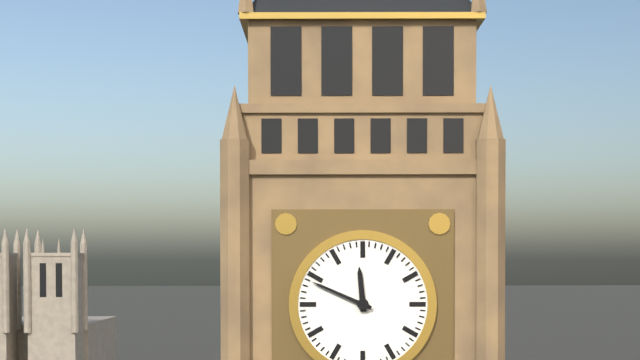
11 h 49 min
